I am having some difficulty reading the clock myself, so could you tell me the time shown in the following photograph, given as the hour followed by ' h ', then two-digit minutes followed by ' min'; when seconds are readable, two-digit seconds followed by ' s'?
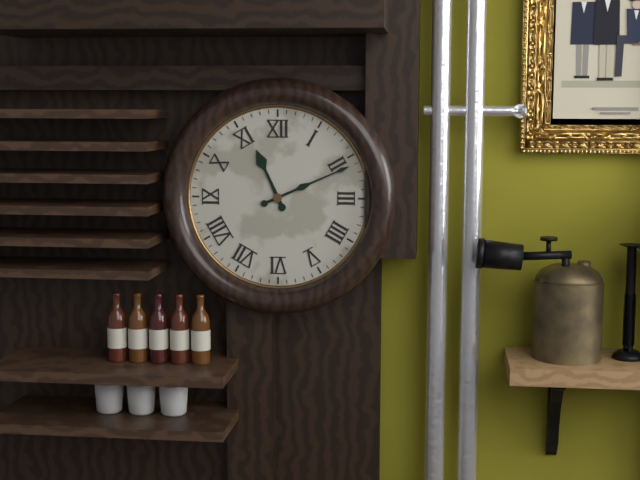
11 h 11 min
